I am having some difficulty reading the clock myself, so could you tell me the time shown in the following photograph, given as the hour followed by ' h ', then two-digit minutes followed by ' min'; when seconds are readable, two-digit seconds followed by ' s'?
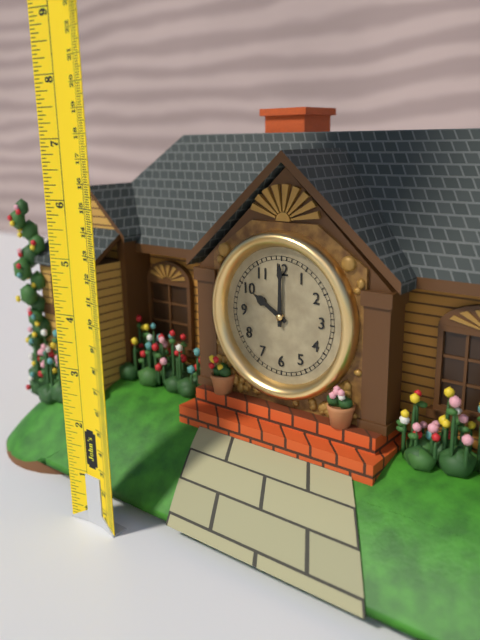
10 h 00 min
